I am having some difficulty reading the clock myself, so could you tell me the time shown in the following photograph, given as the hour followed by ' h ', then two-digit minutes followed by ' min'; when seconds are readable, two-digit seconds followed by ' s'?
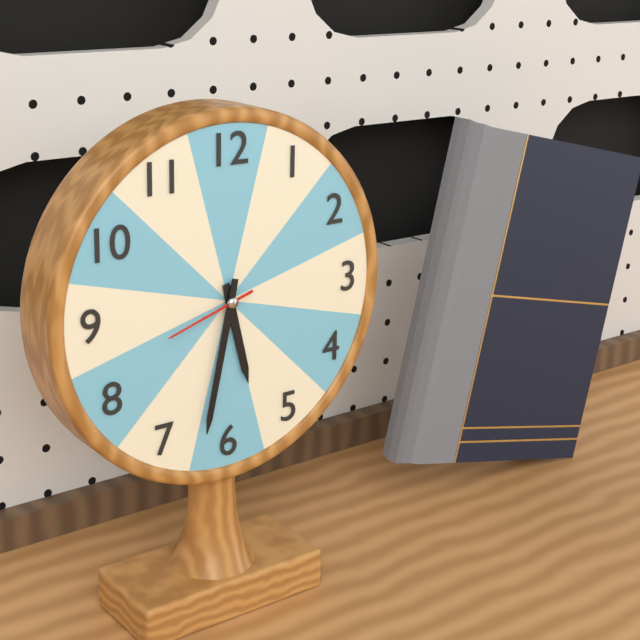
5 h 32 min 42 s
